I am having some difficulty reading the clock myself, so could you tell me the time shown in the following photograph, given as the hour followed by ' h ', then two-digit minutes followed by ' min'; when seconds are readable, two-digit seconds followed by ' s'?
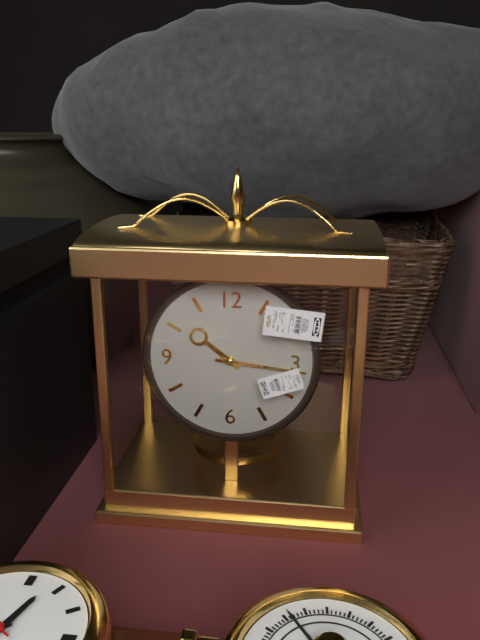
10 h 16 min
